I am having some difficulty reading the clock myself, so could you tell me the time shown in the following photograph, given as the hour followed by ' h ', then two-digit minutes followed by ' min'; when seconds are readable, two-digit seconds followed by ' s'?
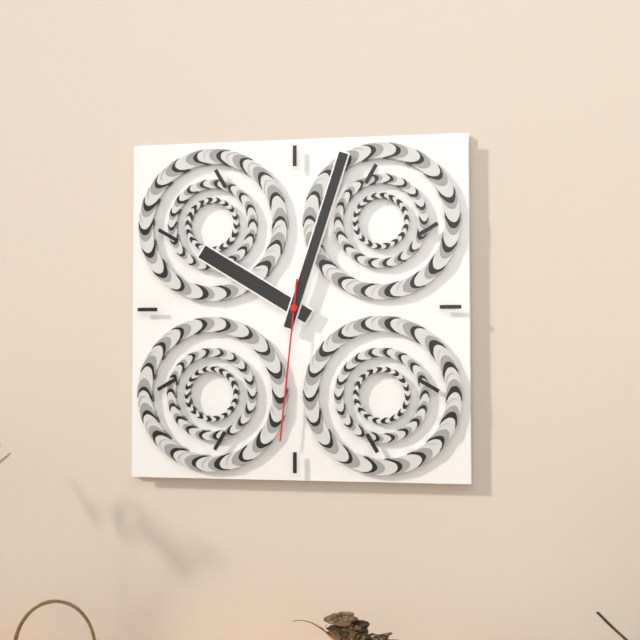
10 h 03 min 31 s
